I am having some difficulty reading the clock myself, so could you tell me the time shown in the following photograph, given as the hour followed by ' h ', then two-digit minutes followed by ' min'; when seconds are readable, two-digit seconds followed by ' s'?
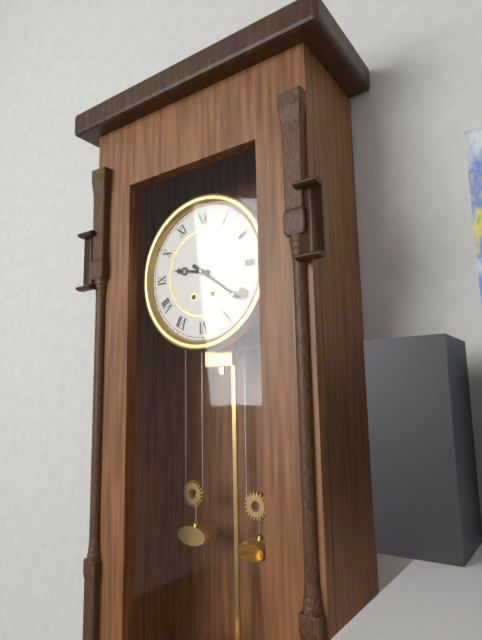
9 h 21 min
